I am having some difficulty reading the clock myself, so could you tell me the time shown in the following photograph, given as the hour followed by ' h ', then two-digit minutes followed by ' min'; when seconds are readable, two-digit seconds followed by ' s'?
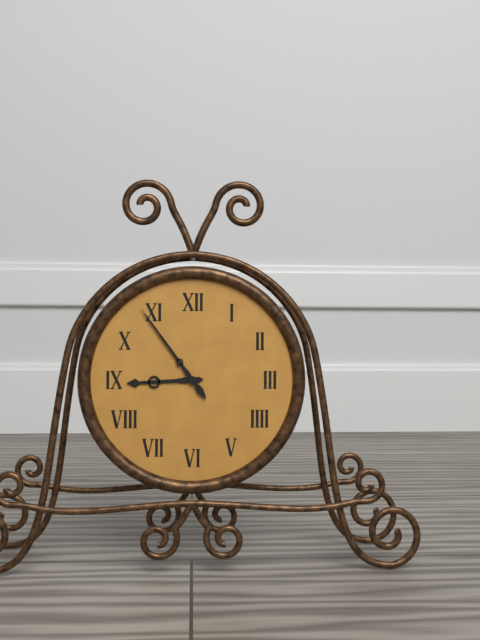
8 h 54 min
